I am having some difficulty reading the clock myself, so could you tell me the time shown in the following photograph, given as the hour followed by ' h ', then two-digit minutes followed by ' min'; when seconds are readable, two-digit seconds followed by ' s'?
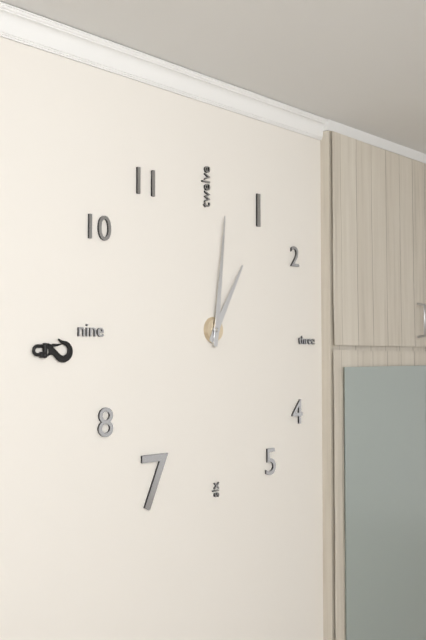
1 h 01 min
